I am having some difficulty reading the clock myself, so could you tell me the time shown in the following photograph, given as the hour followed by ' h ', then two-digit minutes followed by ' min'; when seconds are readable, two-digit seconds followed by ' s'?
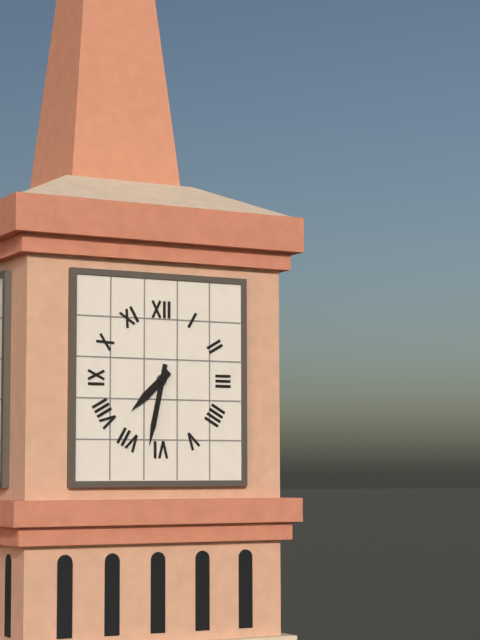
7 h 32 min
